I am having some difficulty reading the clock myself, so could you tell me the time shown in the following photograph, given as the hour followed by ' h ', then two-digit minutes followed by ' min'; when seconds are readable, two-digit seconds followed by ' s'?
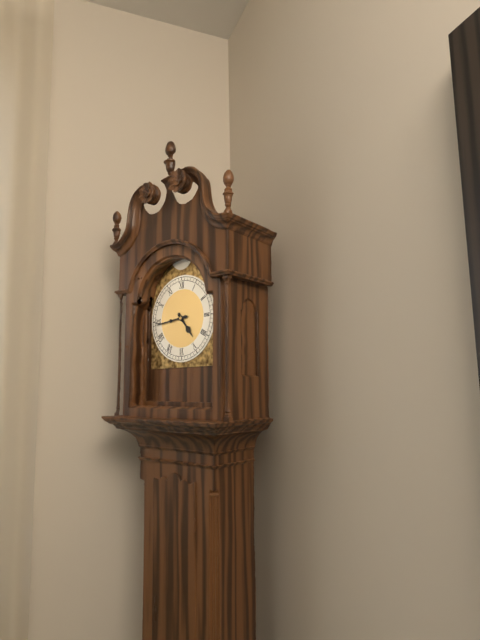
4 h 44 min
